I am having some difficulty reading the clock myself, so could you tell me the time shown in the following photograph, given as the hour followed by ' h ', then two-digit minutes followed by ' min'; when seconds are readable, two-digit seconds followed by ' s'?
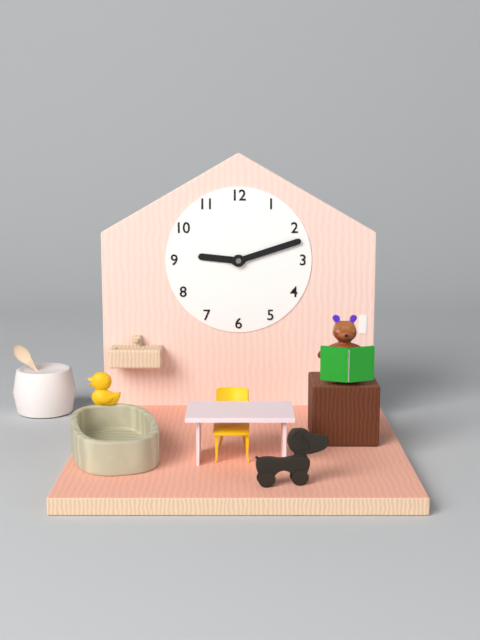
9 h 12 min
